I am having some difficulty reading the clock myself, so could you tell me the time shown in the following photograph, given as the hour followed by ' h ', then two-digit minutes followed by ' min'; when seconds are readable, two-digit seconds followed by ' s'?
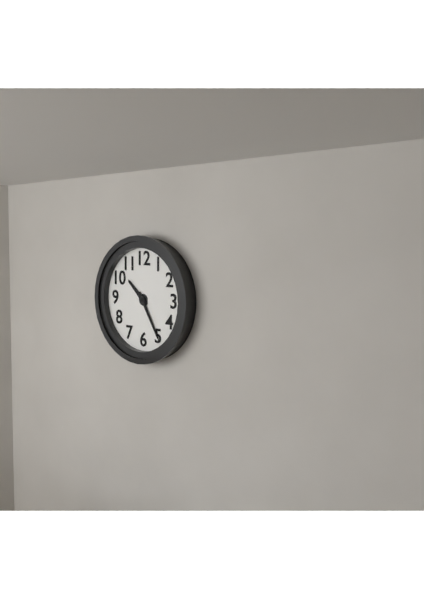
10 h 25 min
